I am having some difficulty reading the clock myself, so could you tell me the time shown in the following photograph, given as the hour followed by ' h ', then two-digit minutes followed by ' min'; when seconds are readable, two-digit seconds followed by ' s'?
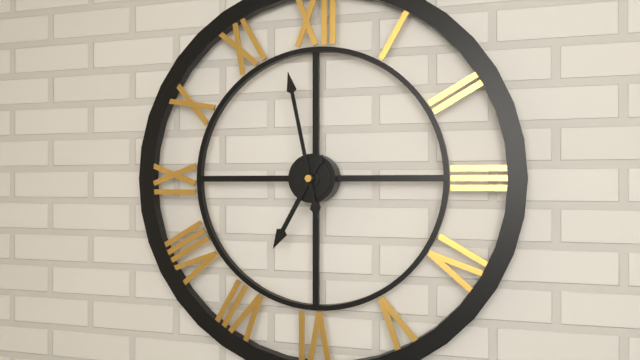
6 h 58 min
